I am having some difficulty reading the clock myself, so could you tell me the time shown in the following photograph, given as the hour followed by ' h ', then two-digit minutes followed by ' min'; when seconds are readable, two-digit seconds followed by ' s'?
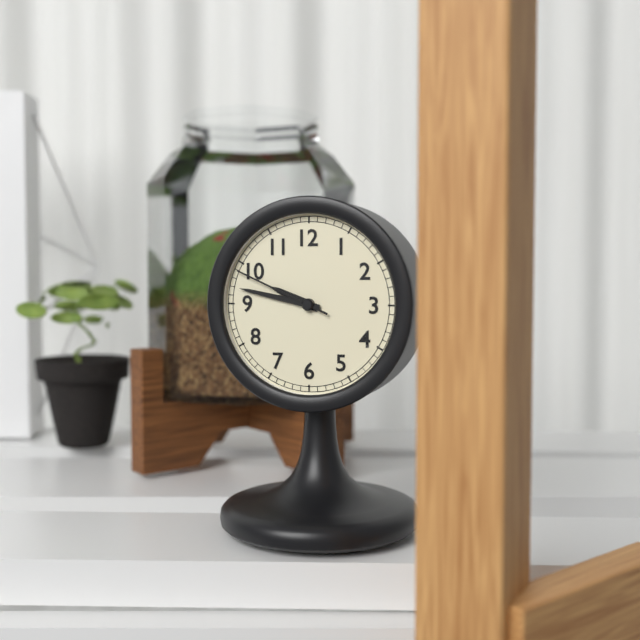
9 h 47 min 49 s
